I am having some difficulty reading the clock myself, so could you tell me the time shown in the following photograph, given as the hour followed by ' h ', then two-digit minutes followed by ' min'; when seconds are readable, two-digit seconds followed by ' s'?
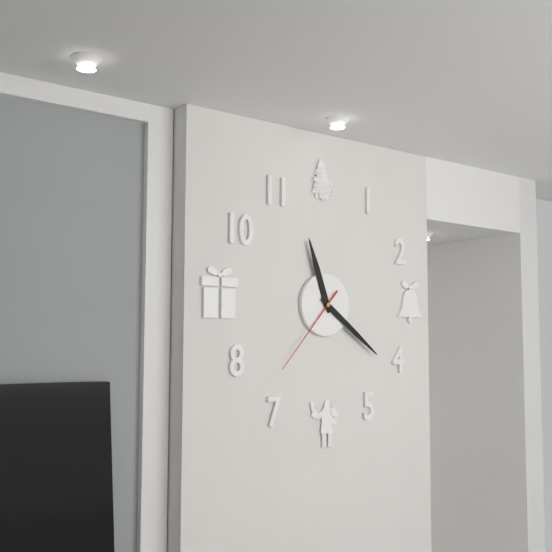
11 h 21 min 37 s
